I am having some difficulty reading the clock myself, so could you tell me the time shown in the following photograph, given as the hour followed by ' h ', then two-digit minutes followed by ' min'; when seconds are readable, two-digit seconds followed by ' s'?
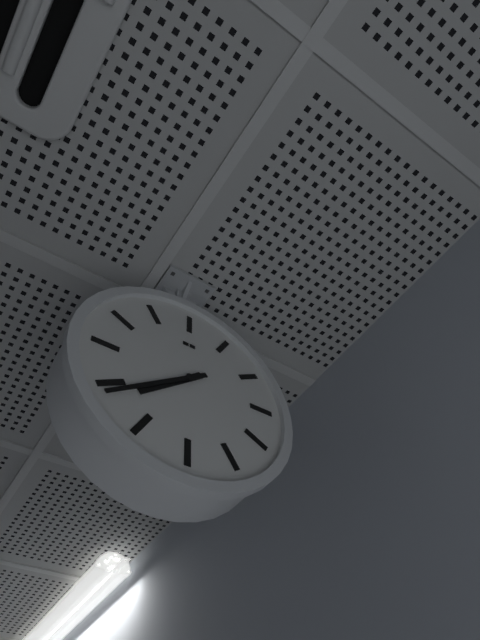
7 h 39 min
